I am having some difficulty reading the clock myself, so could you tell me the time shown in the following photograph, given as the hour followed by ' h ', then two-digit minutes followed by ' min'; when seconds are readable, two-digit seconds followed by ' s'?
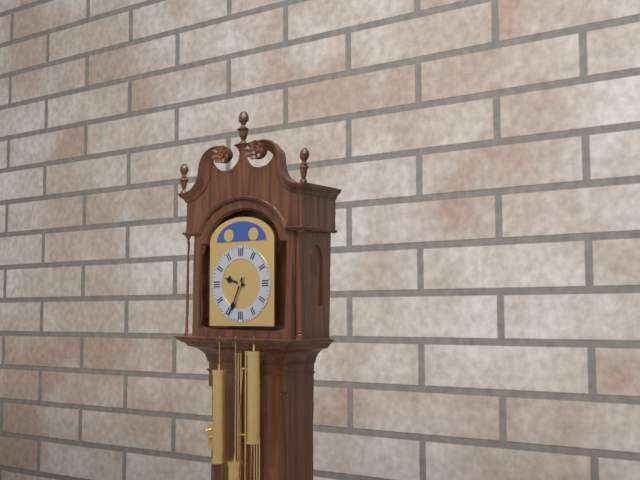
9 h 34 min
